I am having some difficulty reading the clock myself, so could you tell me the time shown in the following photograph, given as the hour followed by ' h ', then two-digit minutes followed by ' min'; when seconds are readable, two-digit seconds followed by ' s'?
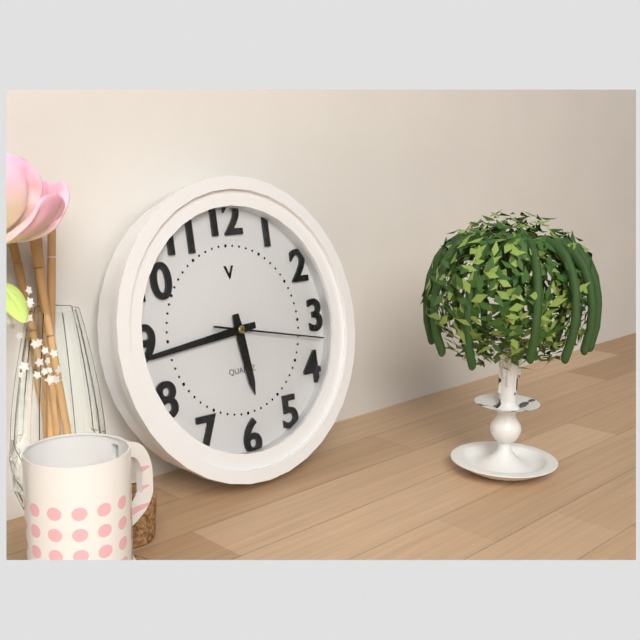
5 h 44 min 17 s
